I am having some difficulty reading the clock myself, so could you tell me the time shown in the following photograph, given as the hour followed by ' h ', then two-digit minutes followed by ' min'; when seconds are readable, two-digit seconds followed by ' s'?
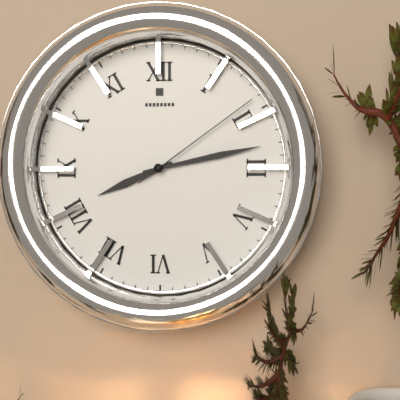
8 h 13 min 09 s
